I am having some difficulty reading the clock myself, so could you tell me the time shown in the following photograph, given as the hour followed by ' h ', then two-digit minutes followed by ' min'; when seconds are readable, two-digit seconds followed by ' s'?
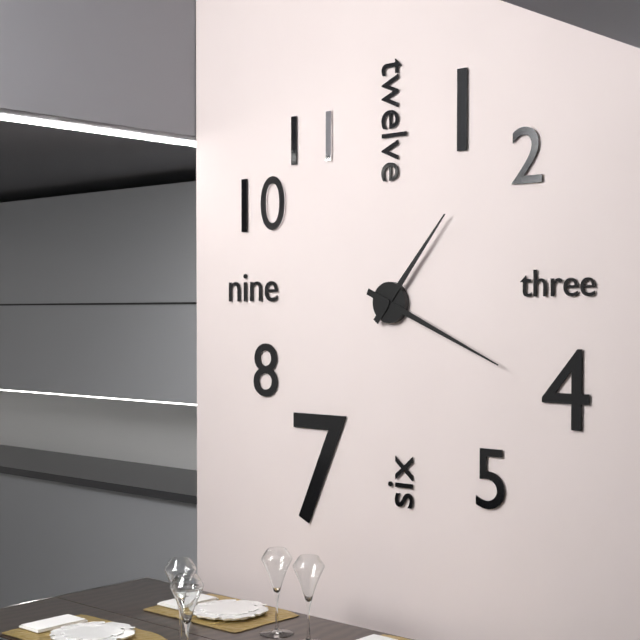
1 h 19 min
